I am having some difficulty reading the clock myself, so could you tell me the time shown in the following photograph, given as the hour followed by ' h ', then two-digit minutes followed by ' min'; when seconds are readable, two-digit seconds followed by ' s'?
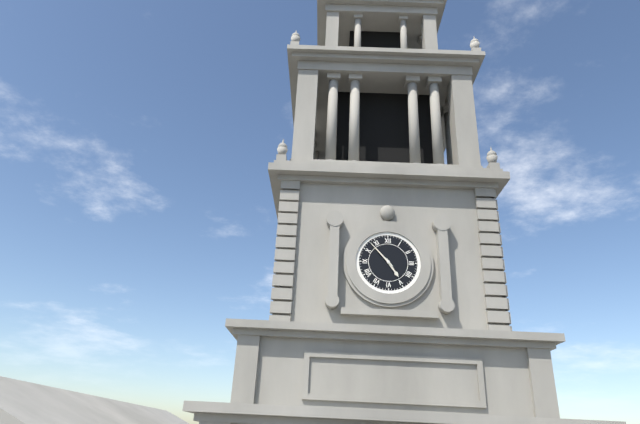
4 h 53 min
